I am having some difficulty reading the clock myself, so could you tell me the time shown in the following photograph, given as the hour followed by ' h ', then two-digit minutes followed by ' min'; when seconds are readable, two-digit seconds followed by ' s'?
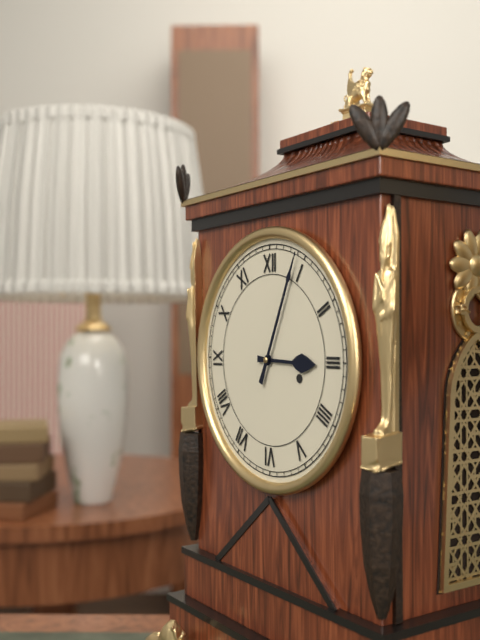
3 h 04 min
